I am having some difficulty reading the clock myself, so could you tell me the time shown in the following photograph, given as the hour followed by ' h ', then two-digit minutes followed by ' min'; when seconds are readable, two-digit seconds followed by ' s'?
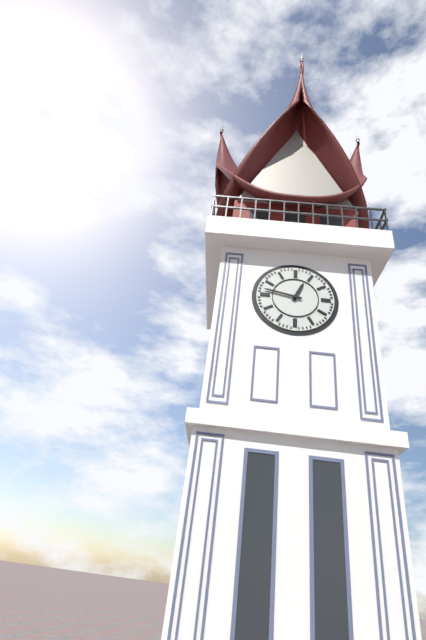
12 h 47 min
